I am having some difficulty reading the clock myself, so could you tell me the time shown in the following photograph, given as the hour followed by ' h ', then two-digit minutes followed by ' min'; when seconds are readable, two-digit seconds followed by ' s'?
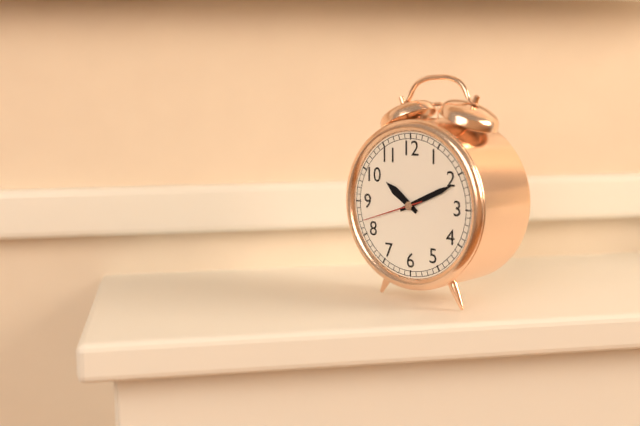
10 h 11 min 42 s
